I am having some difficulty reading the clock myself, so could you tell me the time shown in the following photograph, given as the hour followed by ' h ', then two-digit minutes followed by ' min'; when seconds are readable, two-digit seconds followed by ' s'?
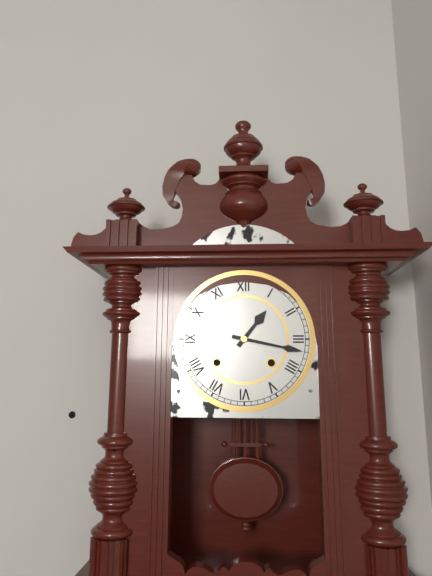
1 h 17 min
